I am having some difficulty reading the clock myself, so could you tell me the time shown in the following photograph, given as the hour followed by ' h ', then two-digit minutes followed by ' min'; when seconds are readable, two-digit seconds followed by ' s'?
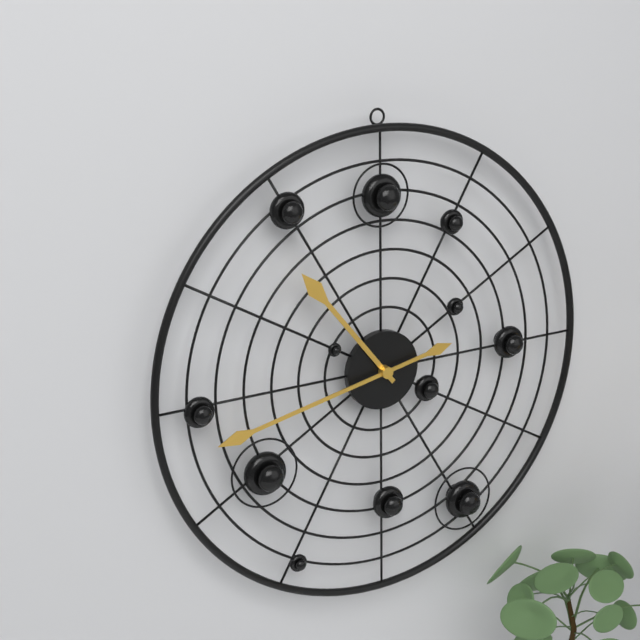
10 h 43 min
